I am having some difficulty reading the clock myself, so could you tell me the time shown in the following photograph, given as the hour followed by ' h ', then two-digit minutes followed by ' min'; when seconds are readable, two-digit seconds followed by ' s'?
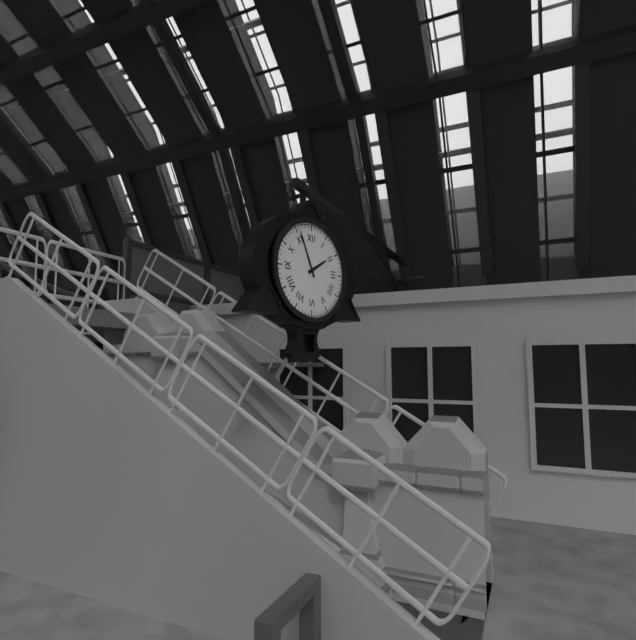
1 h 56 min
